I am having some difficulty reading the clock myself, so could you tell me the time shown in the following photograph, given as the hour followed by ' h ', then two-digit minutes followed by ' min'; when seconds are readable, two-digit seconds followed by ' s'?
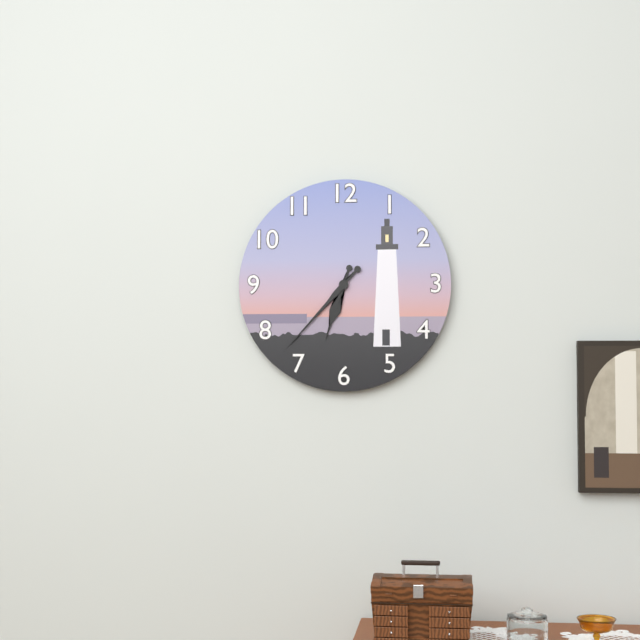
6 h 37 min
